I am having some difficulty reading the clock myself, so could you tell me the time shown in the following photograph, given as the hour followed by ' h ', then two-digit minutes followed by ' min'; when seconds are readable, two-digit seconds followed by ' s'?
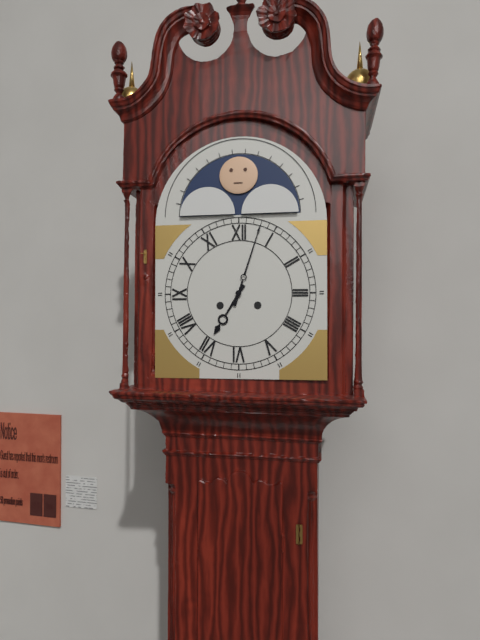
7 h 03 min
